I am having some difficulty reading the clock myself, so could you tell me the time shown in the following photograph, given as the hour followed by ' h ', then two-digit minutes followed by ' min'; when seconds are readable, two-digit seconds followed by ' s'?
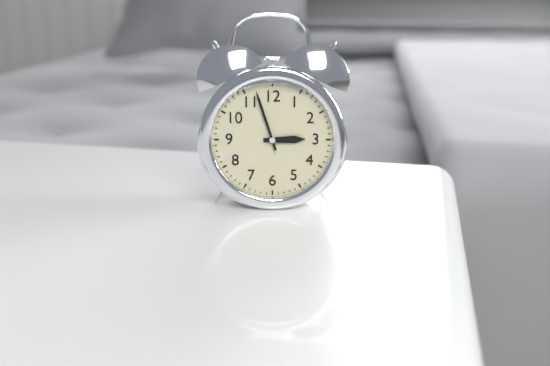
2 h 57 min
